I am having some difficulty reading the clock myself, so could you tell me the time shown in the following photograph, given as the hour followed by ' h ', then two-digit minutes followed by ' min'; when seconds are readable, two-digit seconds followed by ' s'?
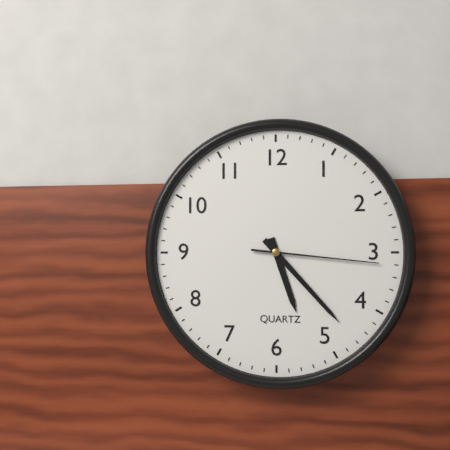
5 h 23 min 16 s
